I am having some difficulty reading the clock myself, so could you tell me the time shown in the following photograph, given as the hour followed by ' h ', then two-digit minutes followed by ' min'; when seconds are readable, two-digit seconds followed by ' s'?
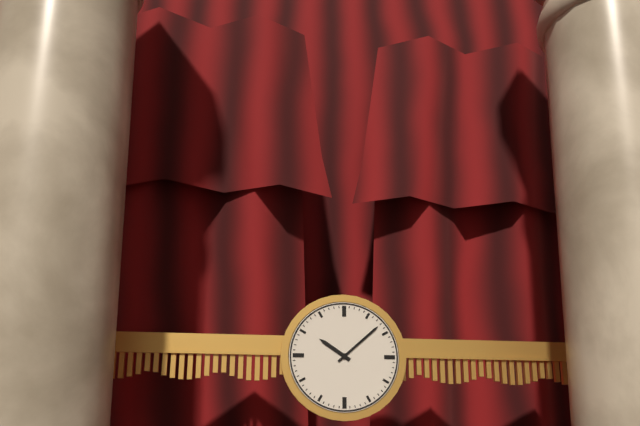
10 h 08 min
